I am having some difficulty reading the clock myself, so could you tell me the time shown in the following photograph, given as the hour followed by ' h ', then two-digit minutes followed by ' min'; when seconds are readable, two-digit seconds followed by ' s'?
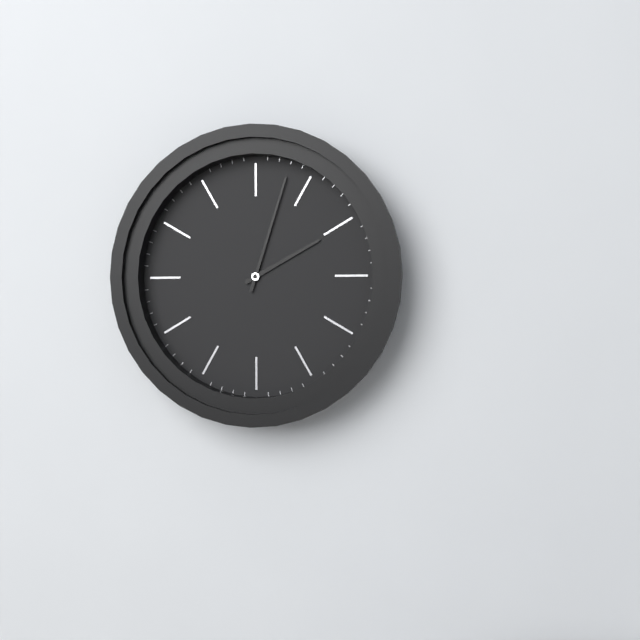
2 h 03 min
